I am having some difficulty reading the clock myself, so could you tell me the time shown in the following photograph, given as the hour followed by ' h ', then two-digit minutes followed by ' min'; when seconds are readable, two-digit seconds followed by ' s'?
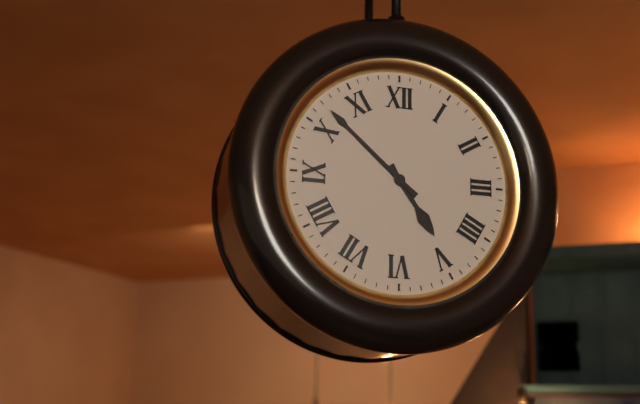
4 h 52 min
